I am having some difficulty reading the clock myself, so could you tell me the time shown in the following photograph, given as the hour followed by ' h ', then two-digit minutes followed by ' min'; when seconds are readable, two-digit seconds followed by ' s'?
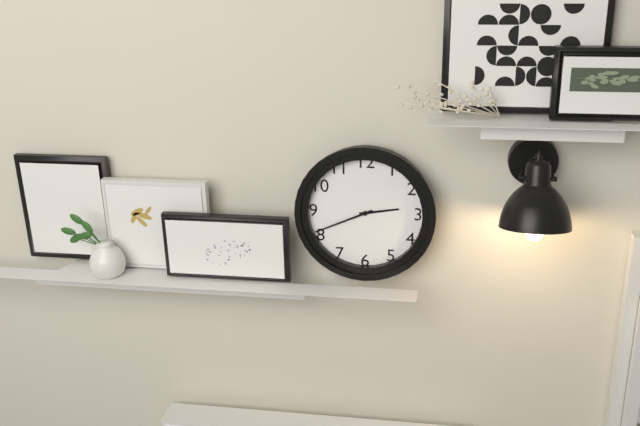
2 h 41 min
